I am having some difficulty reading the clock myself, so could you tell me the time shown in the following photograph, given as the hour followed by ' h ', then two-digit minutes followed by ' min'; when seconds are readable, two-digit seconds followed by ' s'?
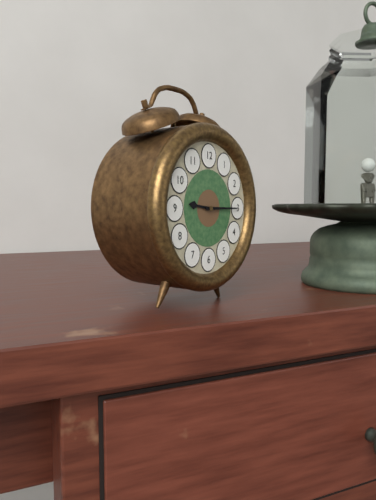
9 h 15 min
